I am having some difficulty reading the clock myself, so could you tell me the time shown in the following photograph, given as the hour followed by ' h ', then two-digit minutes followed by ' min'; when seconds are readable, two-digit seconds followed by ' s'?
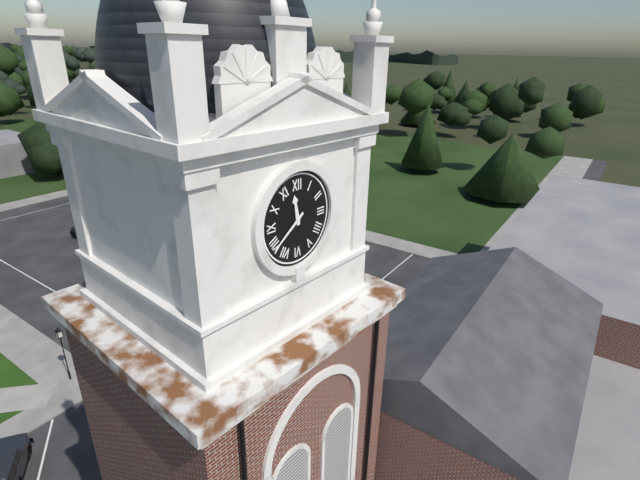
11 h 39 min
